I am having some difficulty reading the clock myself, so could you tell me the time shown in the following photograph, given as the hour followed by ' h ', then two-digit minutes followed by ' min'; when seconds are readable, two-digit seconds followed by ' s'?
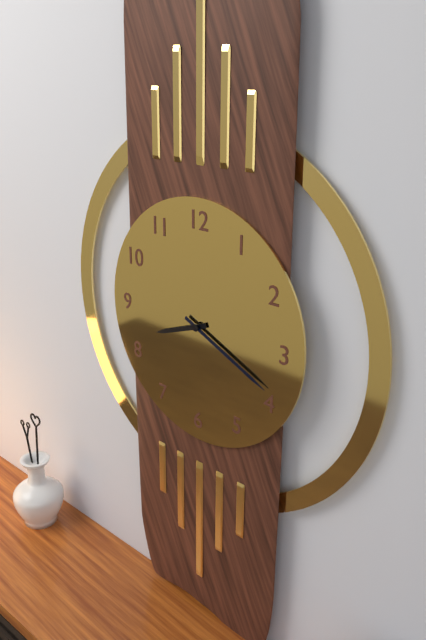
8 h 19 min
